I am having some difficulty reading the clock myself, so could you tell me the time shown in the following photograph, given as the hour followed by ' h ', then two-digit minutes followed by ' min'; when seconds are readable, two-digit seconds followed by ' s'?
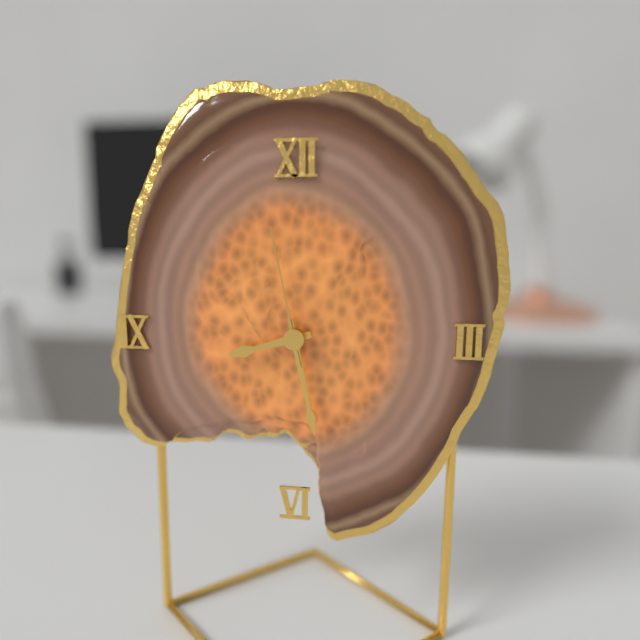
8 h 28 min 58 s
